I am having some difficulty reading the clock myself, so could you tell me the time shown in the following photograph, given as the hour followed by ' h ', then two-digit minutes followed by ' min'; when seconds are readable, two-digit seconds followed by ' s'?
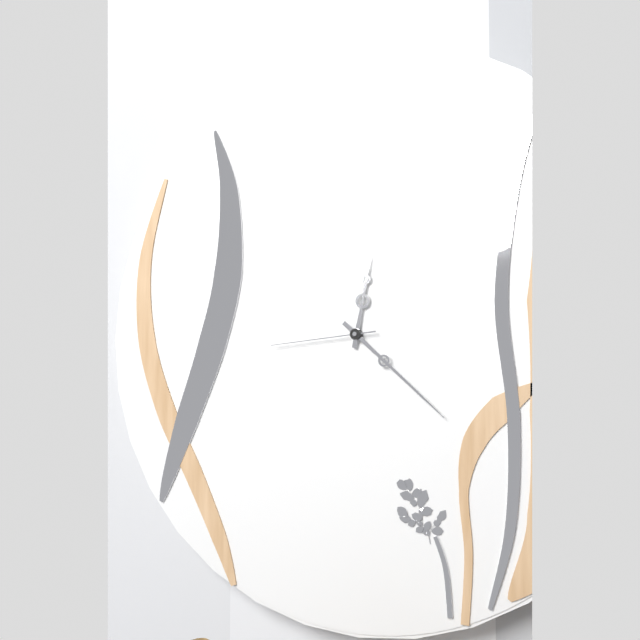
12 h 22 min 44 s
